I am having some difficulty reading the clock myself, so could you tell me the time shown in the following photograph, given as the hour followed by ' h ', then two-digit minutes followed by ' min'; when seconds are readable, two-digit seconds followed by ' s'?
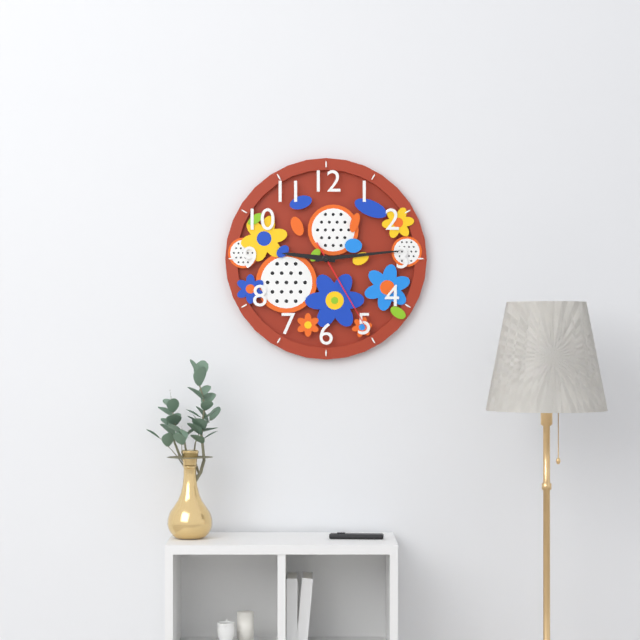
9 h 14 min 25 s
